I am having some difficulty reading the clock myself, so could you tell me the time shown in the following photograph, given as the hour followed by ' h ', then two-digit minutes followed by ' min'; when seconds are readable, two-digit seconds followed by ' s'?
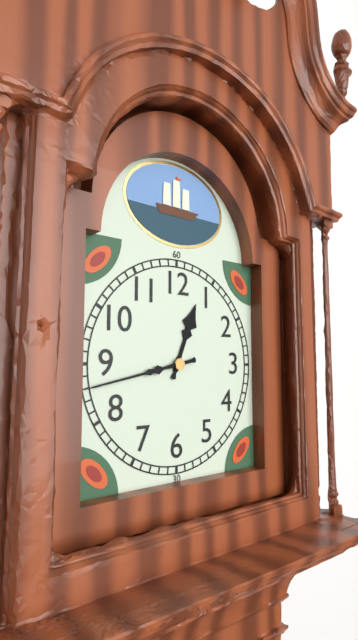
12 h 43 min
